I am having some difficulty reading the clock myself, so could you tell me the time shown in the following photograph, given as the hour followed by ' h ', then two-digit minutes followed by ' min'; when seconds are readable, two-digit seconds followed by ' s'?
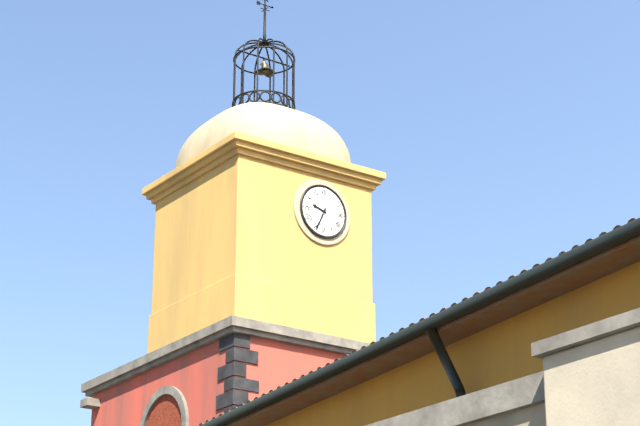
9 h 34 min
